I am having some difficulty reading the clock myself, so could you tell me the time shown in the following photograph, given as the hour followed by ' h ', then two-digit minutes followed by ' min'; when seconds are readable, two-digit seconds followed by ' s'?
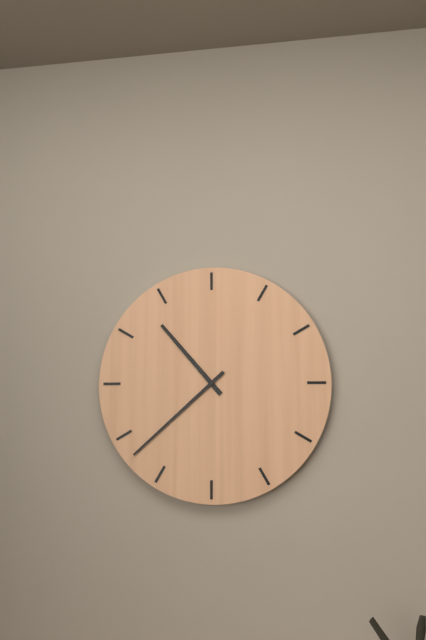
10 h 38 min
